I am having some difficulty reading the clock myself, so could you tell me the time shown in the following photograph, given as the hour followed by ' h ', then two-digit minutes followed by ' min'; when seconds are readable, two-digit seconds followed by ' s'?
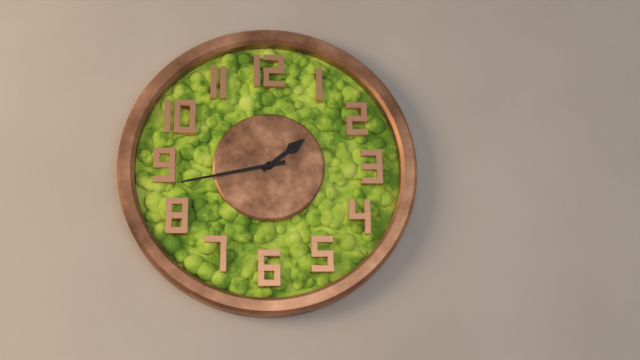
1 h 43 min
